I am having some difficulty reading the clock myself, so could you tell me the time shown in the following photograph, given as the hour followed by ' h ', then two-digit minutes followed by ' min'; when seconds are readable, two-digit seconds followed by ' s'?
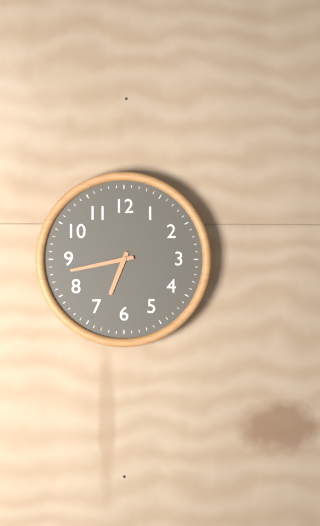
6 h 43 min
